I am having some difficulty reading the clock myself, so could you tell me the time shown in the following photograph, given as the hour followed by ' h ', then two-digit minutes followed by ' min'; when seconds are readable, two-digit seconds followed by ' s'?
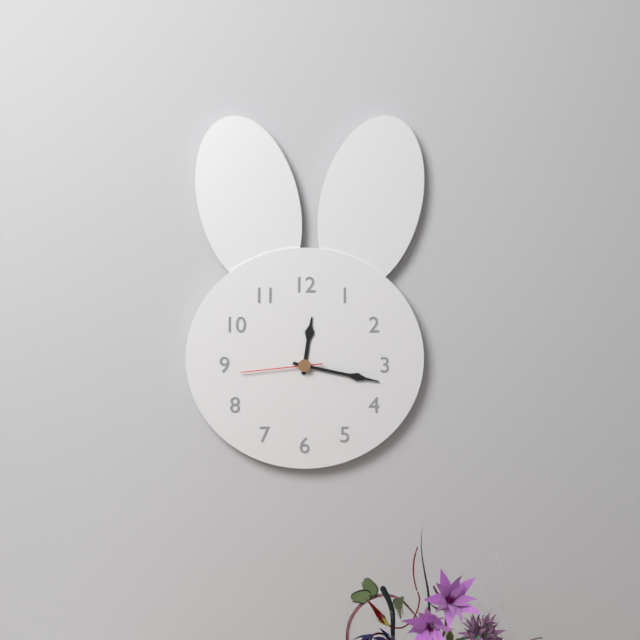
12 h 17 min 44 s
